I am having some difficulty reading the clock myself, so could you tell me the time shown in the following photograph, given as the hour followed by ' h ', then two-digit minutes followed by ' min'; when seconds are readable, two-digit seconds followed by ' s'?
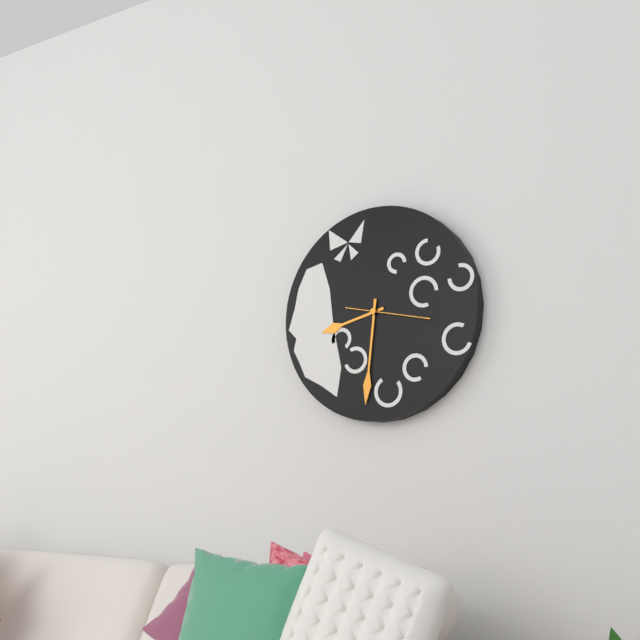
8 h 31 min 17 s
